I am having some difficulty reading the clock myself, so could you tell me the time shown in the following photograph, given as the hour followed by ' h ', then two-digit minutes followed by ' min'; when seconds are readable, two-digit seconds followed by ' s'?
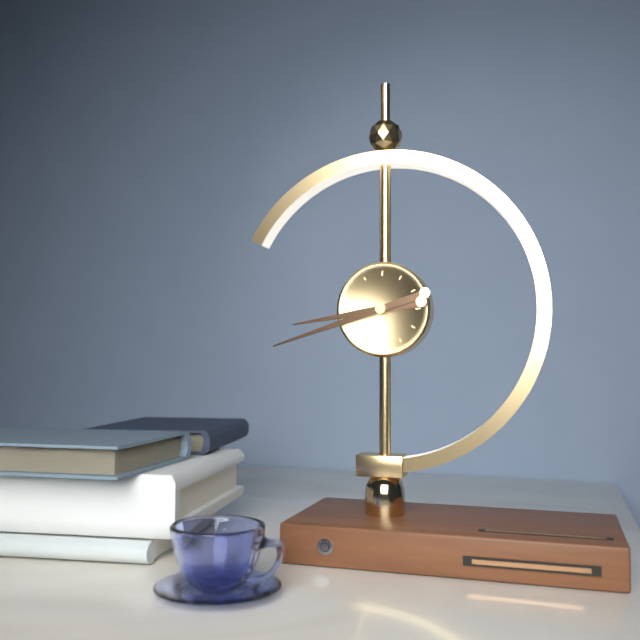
8 h 42 min
